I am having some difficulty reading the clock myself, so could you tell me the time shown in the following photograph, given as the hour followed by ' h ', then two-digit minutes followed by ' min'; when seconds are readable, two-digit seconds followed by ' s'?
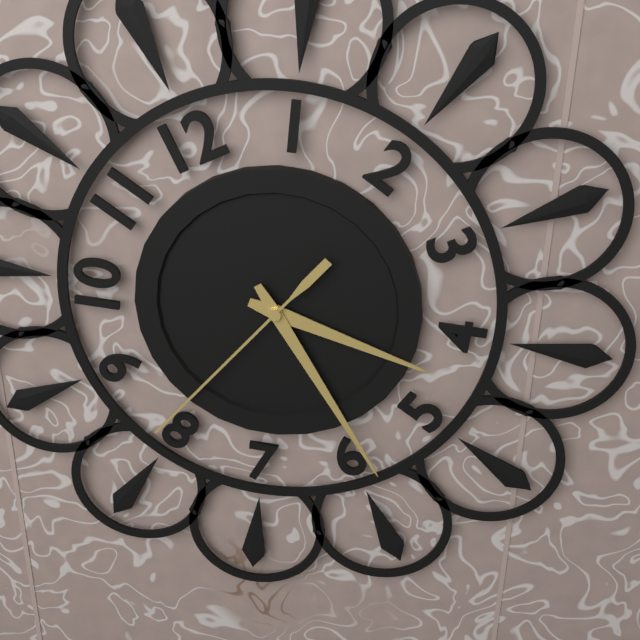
4 h 29 min 41 s
